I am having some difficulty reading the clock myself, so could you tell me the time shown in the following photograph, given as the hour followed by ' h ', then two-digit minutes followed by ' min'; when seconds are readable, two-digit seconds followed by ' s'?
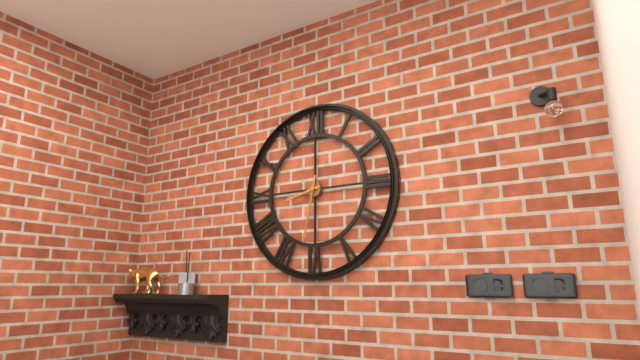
8 h 32 min
